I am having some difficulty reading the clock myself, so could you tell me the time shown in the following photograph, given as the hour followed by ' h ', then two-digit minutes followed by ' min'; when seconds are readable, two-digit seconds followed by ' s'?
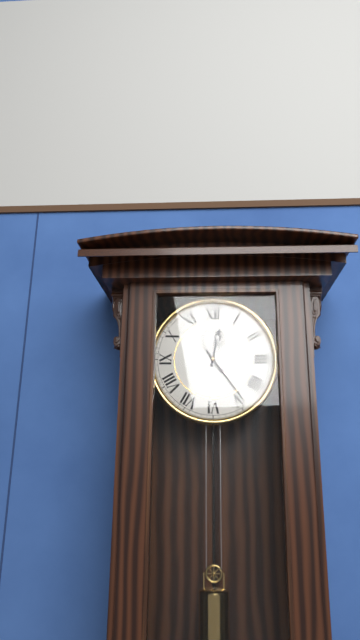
12 h 24 min
